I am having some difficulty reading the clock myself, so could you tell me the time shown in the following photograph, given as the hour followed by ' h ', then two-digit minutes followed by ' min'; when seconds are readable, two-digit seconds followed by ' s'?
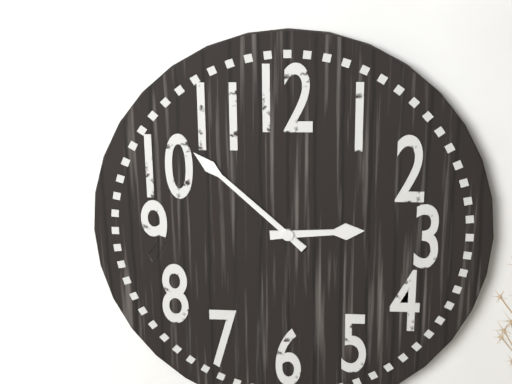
2 h 52 min
